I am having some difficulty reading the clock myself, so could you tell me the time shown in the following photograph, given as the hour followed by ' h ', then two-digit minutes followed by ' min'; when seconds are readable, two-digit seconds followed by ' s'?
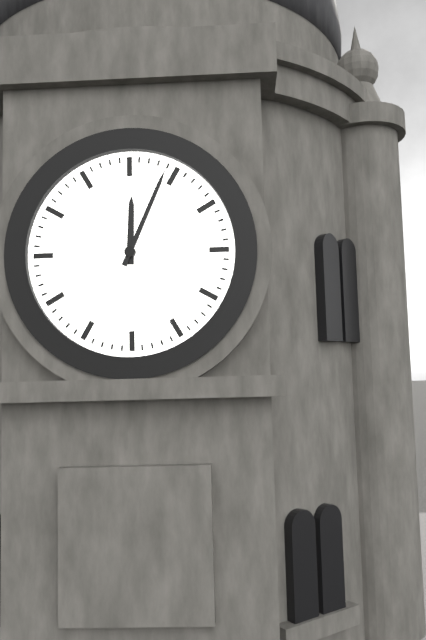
12 h 04 min
